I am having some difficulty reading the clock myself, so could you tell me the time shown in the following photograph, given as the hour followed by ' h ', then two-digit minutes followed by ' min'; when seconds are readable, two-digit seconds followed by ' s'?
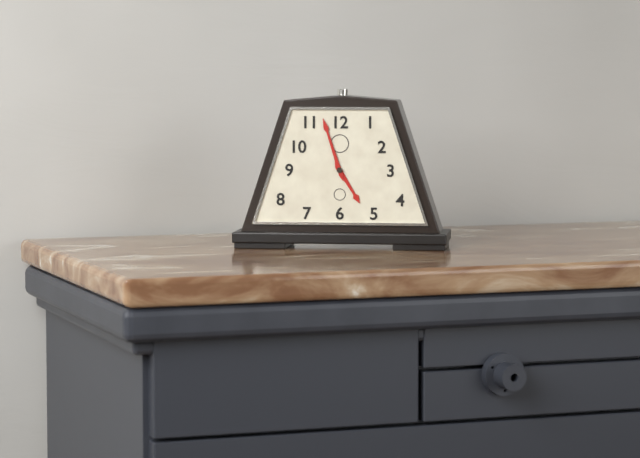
4 h 57 min
